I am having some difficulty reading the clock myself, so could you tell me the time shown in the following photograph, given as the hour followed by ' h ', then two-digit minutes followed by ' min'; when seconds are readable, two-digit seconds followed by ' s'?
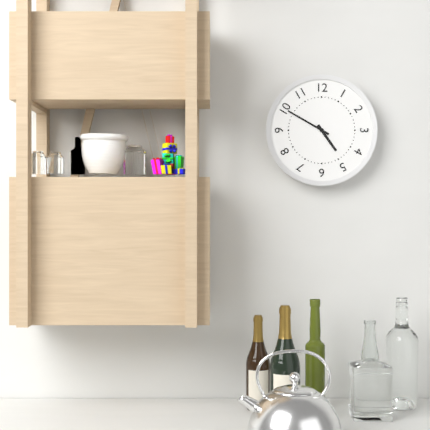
4 h 50 min
